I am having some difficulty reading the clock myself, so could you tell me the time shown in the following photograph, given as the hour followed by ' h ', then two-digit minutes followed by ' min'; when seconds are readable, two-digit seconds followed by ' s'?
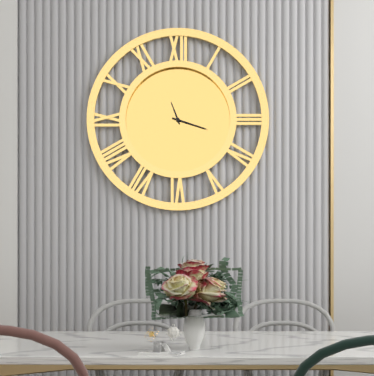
11 h 18 min
